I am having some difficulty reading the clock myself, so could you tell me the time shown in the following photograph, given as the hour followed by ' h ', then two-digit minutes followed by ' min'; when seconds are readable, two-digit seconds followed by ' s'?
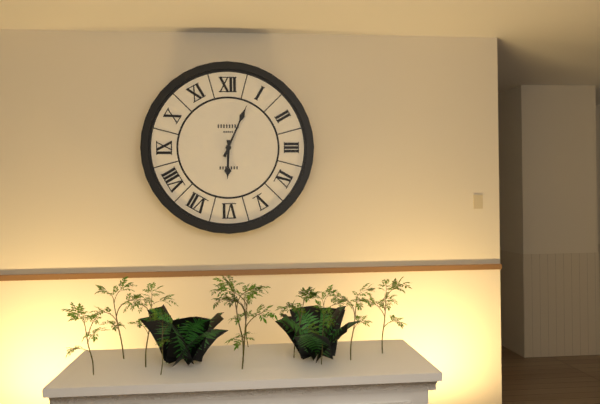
6 h 04 min
